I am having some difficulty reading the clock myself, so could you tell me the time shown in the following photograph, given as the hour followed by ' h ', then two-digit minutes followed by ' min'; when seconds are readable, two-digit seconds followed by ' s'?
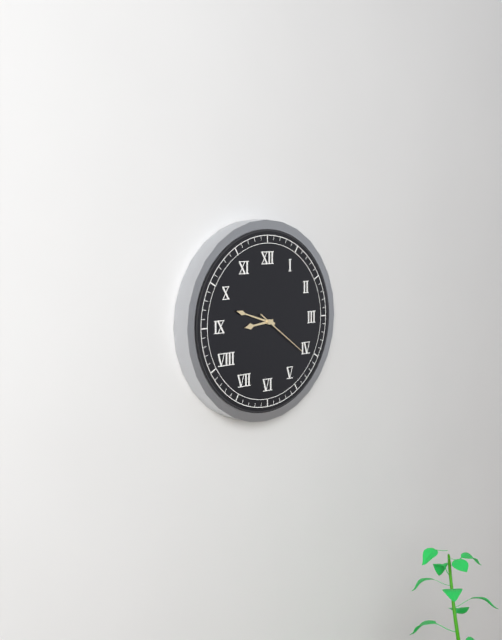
8 h 48 min 21 s
